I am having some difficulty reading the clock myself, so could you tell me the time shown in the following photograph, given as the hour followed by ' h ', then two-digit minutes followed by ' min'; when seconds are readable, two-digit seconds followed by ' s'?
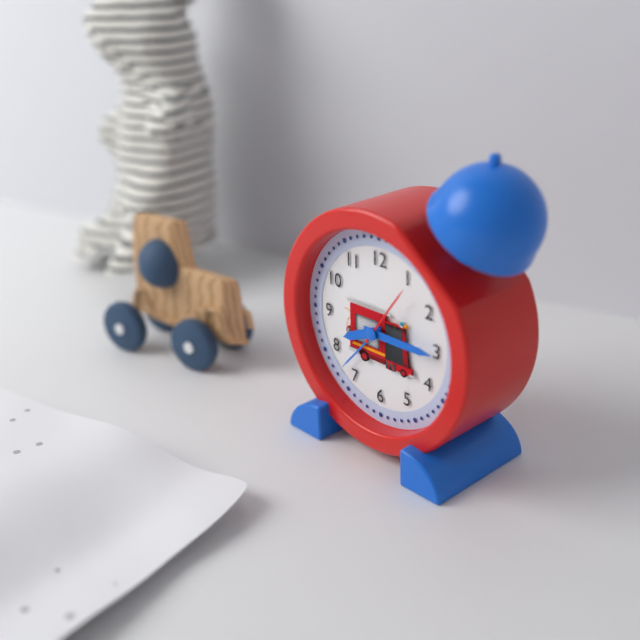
8 h 15 min
